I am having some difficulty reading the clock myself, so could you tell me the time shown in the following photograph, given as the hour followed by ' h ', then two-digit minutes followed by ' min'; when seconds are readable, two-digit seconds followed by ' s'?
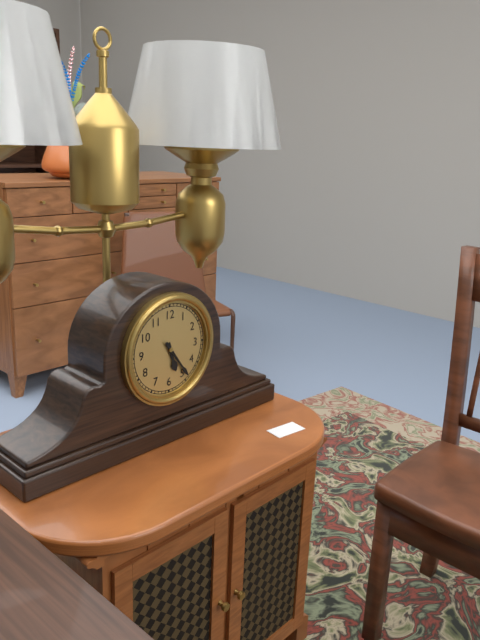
5 h 24 min
